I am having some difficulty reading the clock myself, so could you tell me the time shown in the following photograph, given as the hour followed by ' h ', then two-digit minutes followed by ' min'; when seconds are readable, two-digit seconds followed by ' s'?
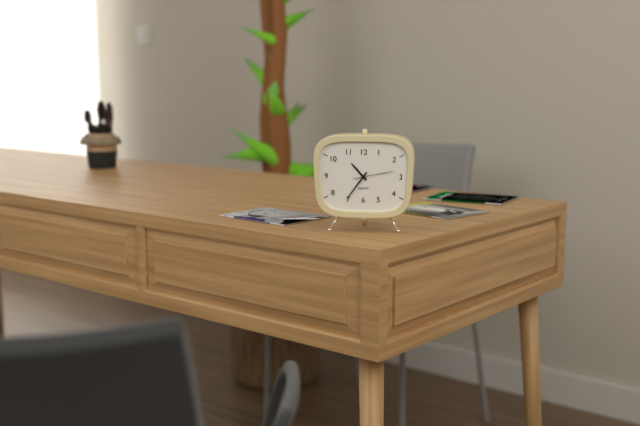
10 h 36 min
